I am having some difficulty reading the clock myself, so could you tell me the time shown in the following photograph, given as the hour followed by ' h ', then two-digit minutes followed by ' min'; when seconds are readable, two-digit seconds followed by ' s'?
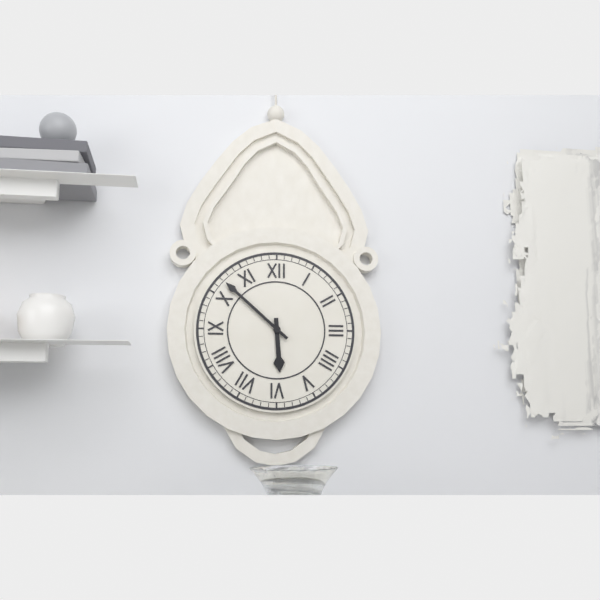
5 h 52 min
